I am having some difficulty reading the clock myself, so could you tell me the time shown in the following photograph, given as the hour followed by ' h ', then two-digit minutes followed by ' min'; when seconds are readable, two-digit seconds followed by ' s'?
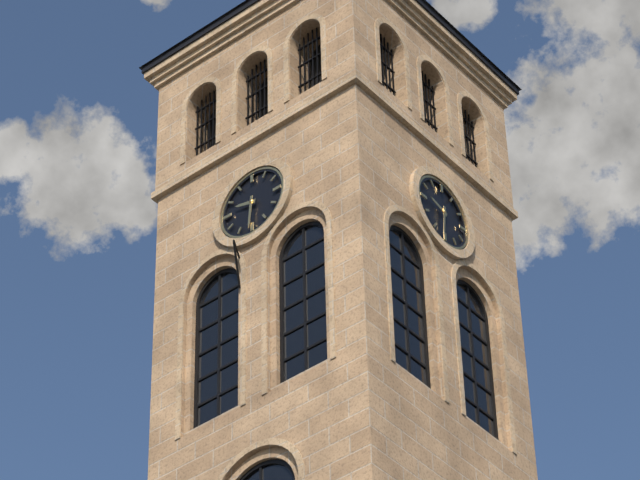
9 h 31 min
